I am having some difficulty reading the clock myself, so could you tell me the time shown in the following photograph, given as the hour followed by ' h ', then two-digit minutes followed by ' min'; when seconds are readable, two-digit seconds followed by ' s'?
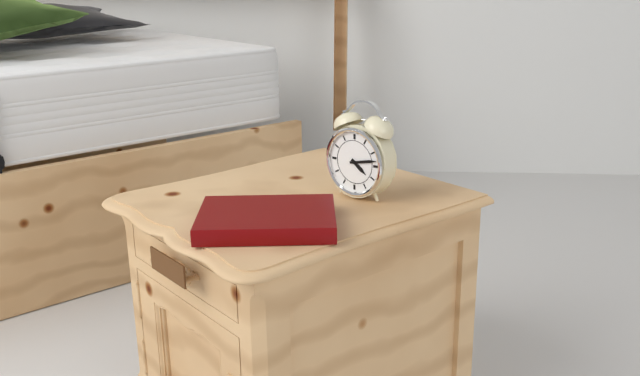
4 h 13 min
